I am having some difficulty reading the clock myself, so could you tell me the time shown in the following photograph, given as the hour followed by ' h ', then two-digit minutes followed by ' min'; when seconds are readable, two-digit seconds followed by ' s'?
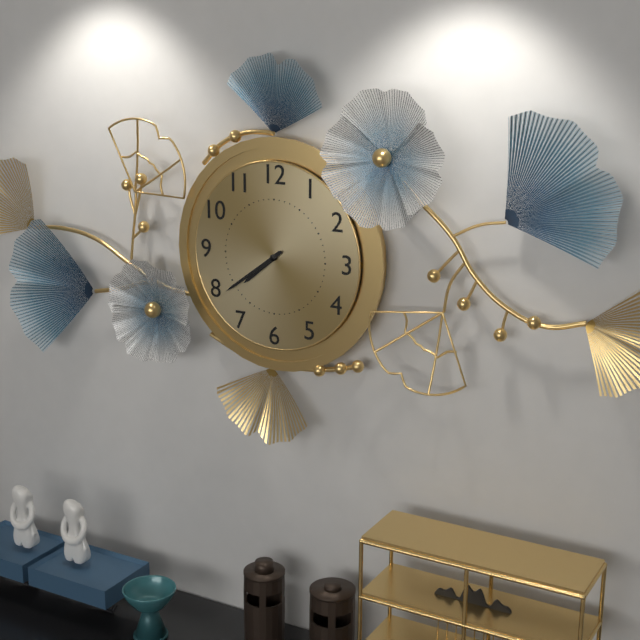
7 h 39 min
